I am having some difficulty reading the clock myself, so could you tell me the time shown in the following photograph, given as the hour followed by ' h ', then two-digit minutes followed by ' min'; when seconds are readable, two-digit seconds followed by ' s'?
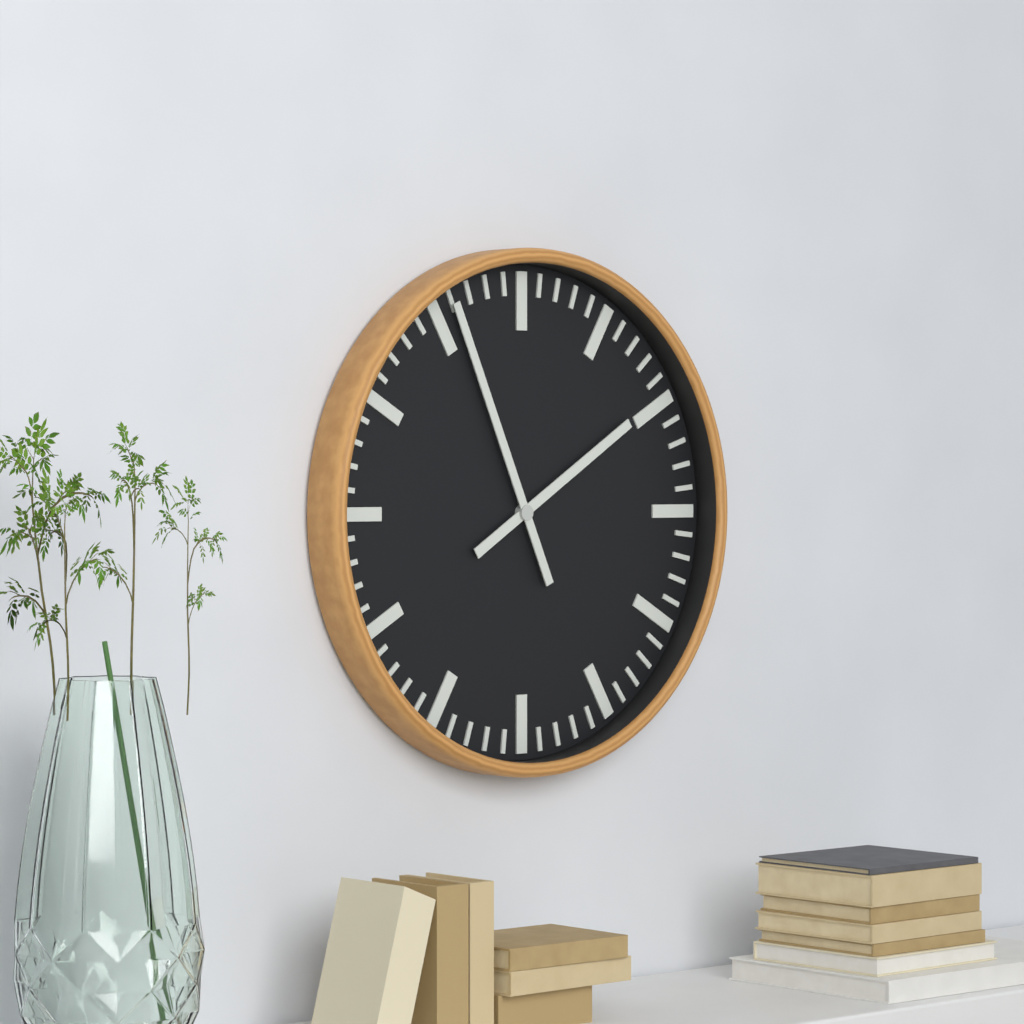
1 h 56 min
